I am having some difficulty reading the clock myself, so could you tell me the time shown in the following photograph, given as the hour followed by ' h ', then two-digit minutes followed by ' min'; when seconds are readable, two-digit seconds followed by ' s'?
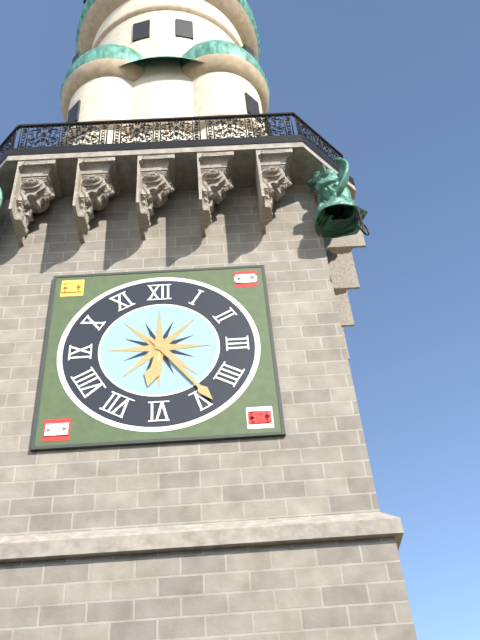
6 h 24 min
